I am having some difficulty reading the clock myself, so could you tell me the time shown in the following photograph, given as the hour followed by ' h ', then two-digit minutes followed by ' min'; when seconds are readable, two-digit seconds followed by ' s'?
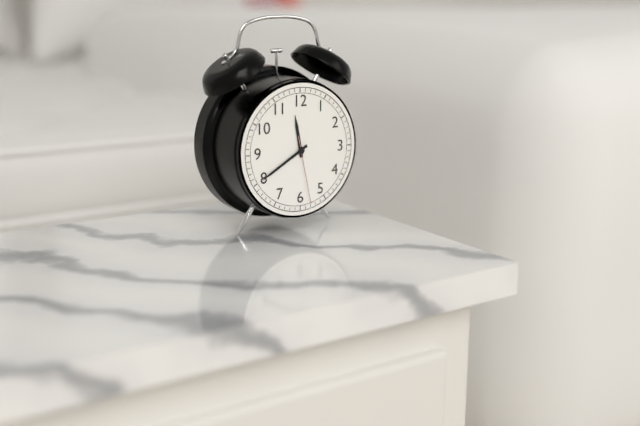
11 h 40 min 28 s
